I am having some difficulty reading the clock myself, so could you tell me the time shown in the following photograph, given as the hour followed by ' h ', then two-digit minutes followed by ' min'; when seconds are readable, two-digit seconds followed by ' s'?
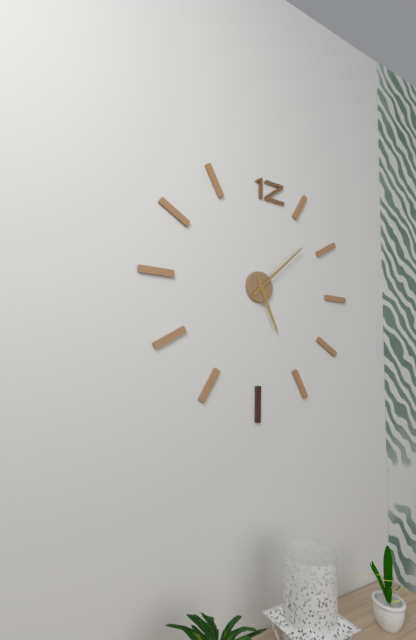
5 h 08 min
